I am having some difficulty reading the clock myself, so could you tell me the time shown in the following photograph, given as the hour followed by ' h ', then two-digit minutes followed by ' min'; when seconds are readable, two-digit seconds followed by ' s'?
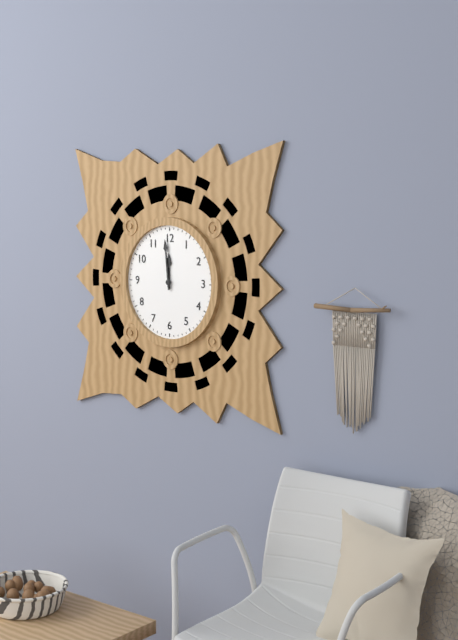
11 h 59 min
